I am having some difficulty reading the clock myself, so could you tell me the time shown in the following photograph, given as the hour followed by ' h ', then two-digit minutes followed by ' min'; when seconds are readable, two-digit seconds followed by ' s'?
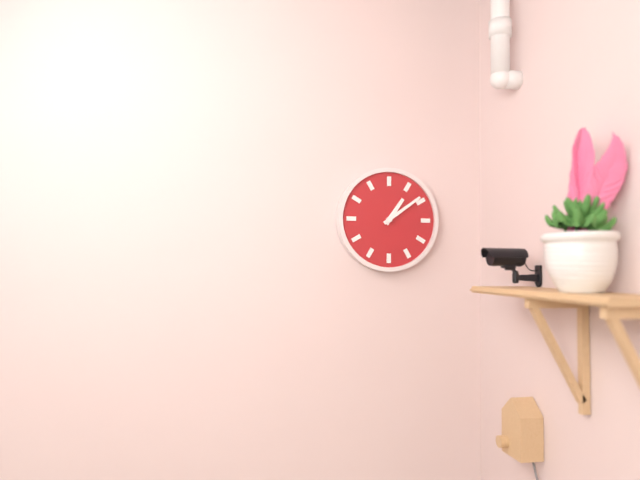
1 h 09 min
